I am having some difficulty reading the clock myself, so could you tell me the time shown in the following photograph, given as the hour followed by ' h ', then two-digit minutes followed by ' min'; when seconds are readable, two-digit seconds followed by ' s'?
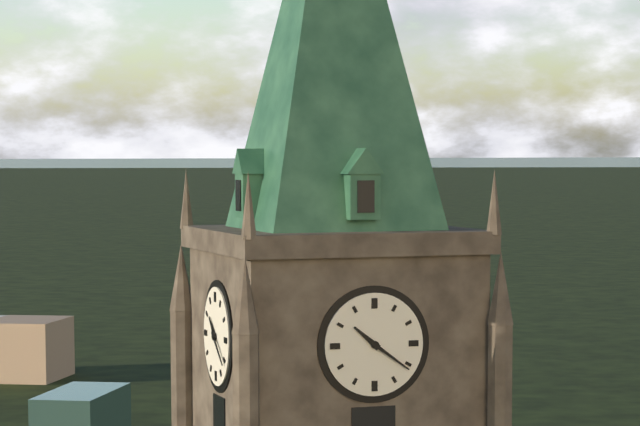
10 h 21 min
